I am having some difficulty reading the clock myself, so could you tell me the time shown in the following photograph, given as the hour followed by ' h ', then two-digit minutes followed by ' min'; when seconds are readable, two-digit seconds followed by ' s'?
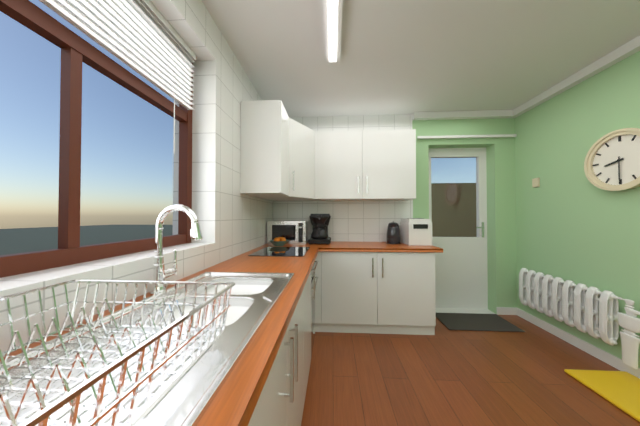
8 h 30 min
